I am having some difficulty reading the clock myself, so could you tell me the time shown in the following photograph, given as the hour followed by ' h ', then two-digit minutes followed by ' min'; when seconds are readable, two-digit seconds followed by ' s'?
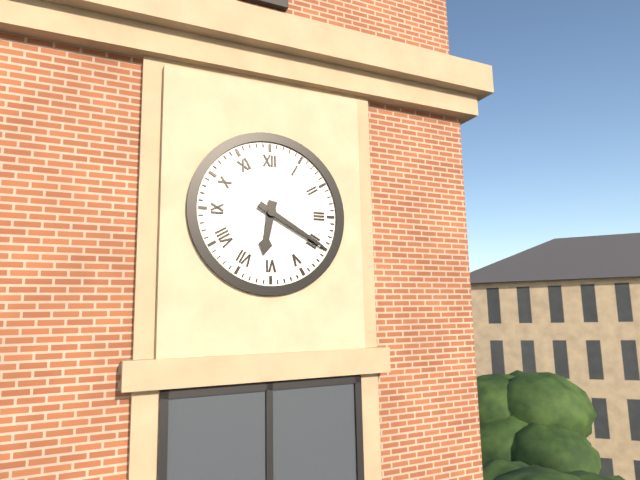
6 h 20 min
